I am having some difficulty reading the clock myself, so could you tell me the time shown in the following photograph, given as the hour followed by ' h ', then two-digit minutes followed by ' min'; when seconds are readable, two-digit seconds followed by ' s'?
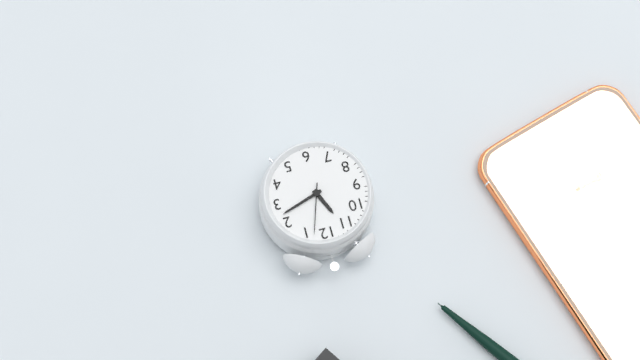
11 h 12 min 03 s
